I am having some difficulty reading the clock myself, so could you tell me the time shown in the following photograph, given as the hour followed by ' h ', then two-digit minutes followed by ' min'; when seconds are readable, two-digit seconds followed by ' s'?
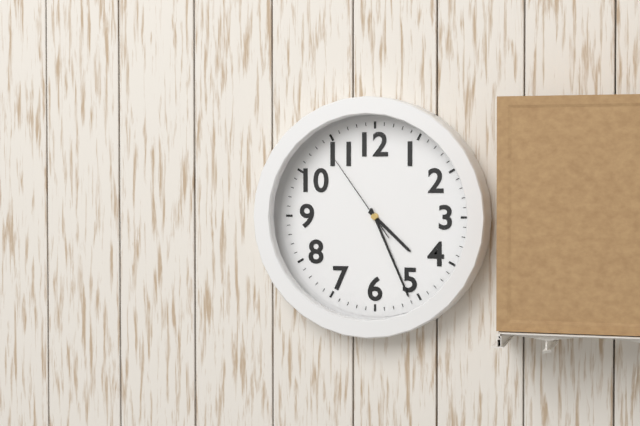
4 h 26 min 54 s
